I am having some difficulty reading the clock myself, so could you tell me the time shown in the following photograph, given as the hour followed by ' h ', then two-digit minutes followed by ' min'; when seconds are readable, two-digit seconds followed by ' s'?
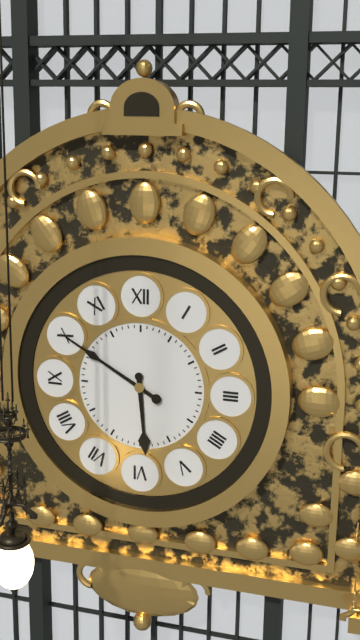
5 h 50 min
